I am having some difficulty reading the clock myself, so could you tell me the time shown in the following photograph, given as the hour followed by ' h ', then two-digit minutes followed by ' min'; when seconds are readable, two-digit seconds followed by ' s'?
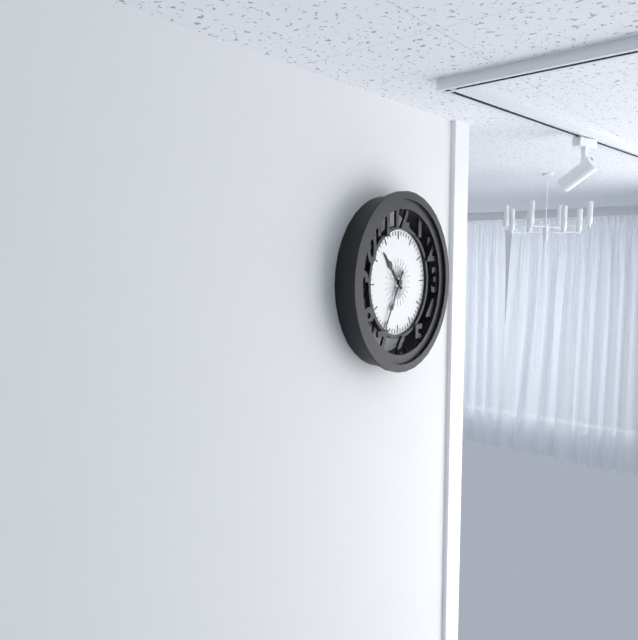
10 h 35 min
